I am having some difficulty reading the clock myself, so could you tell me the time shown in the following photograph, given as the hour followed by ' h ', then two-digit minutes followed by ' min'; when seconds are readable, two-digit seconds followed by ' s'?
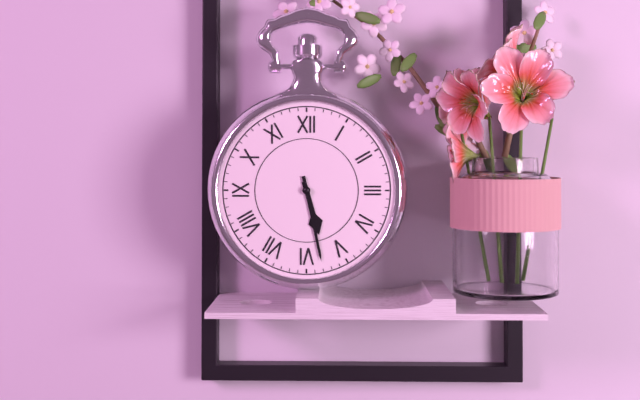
5 h 28 min
